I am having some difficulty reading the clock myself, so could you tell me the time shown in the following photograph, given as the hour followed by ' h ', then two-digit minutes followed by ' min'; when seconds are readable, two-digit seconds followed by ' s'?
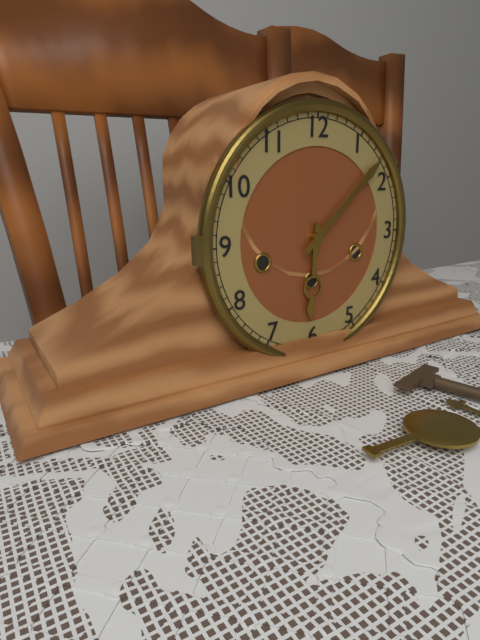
6 h 08 min
